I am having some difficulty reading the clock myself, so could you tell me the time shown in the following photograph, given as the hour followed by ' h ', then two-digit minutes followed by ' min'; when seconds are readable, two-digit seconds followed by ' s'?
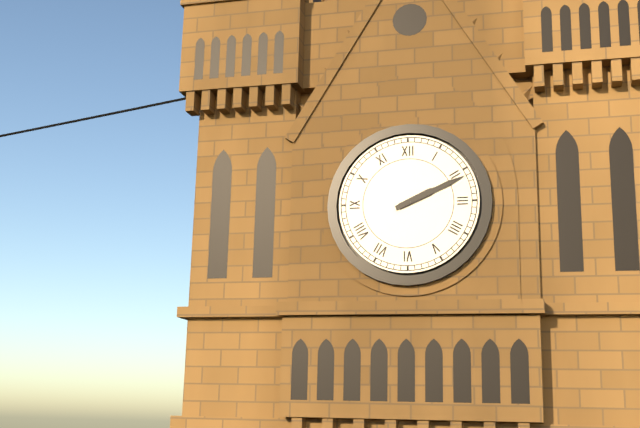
2 h 11 min
